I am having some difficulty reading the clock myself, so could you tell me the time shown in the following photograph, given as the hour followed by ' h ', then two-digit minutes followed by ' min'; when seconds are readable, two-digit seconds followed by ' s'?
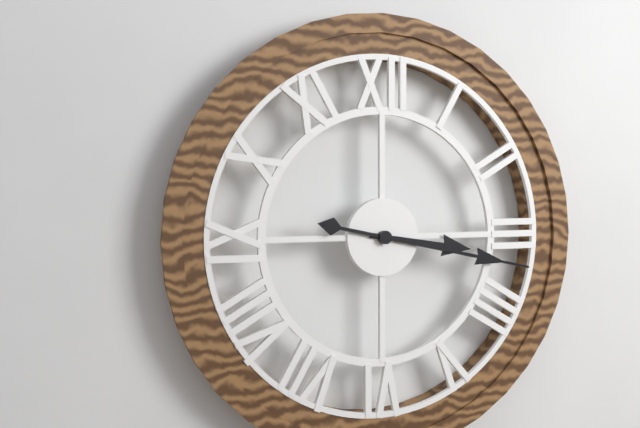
3 h 17 min
